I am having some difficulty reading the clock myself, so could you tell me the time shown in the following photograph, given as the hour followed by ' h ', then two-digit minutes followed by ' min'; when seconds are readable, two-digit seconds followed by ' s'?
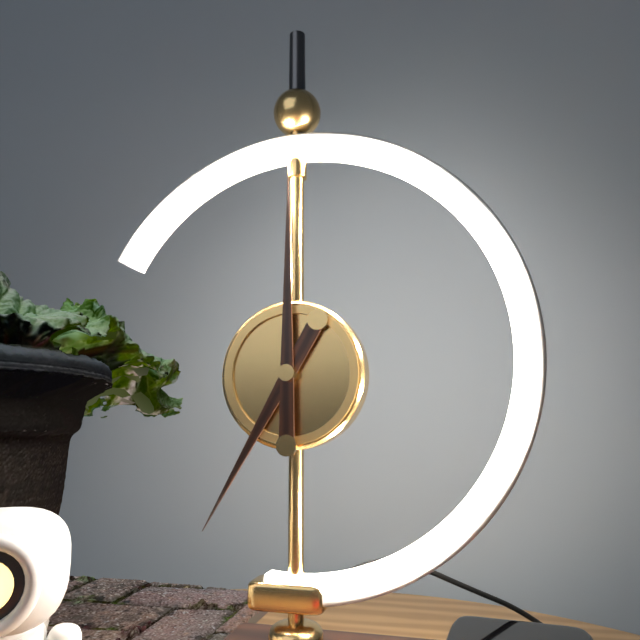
7 h 00 min
